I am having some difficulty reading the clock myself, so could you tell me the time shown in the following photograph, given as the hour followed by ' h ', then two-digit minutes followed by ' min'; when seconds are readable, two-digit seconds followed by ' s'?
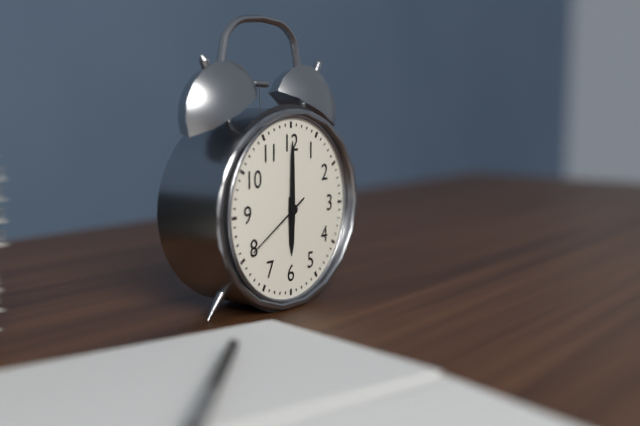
6 h 00 min 40 s
